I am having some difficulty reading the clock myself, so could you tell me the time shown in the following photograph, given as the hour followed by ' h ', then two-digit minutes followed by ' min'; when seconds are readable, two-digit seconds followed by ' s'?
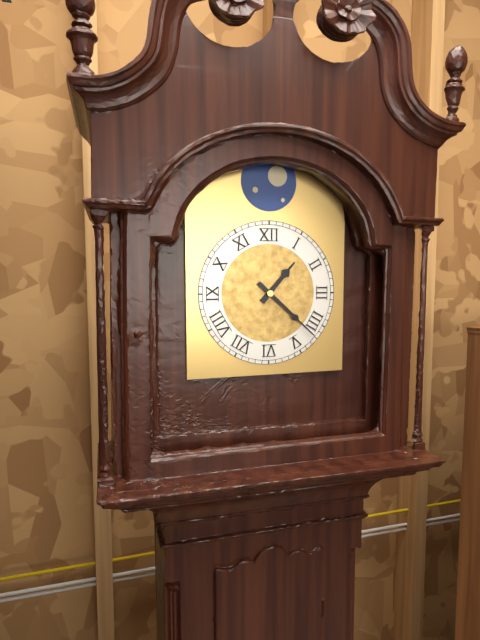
1 h 22 min
